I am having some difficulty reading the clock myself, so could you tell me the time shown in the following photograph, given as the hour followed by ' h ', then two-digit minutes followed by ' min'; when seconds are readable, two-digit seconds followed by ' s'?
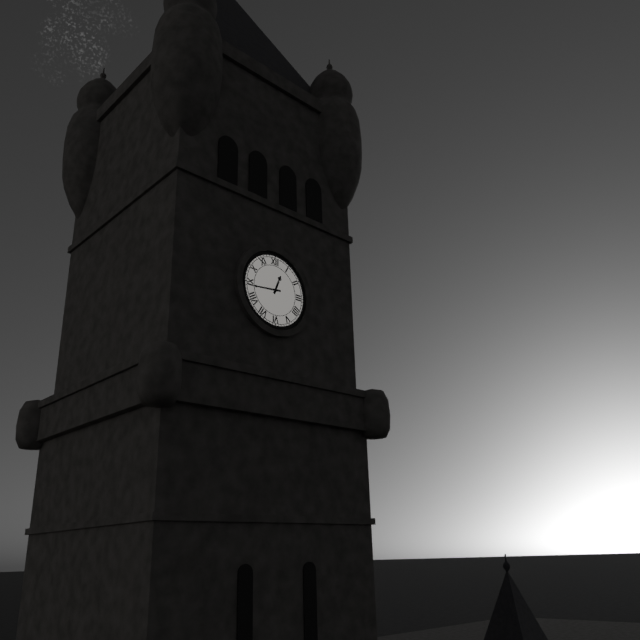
12 h 44 min
